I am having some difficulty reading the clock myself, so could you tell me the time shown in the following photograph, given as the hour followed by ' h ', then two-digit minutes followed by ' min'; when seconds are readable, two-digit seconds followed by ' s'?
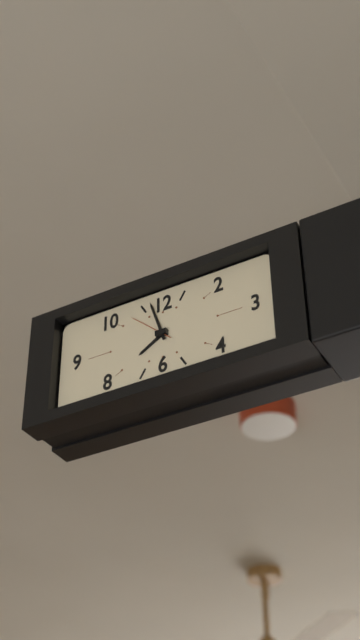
7 h 57 min
